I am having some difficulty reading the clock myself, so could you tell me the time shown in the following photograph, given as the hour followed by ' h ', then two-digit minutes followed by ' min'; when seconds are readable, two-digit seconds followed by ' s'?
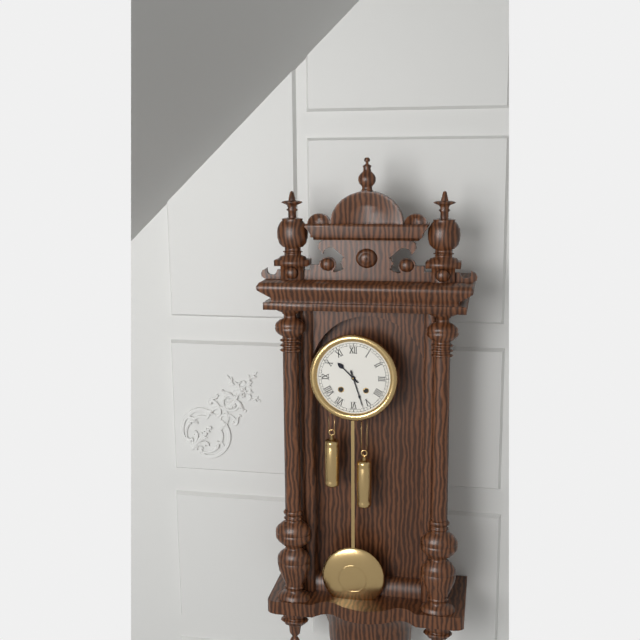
10 h 27 min
